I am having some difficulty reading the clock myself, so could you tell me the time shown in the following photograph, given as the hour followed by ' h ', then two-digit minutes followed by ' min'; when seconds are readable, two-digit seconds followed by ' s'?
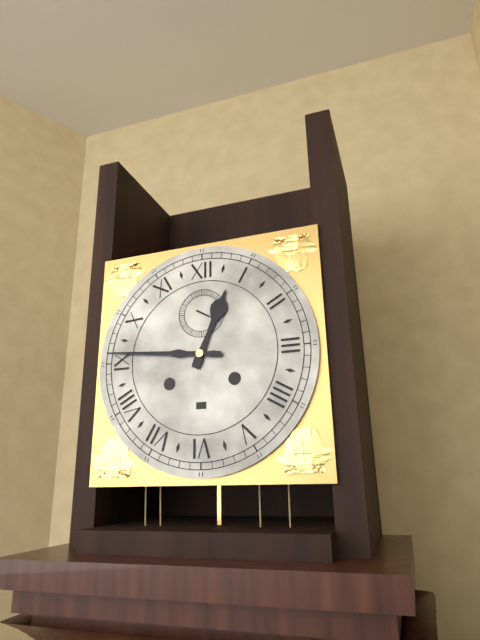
12 h 46 min
